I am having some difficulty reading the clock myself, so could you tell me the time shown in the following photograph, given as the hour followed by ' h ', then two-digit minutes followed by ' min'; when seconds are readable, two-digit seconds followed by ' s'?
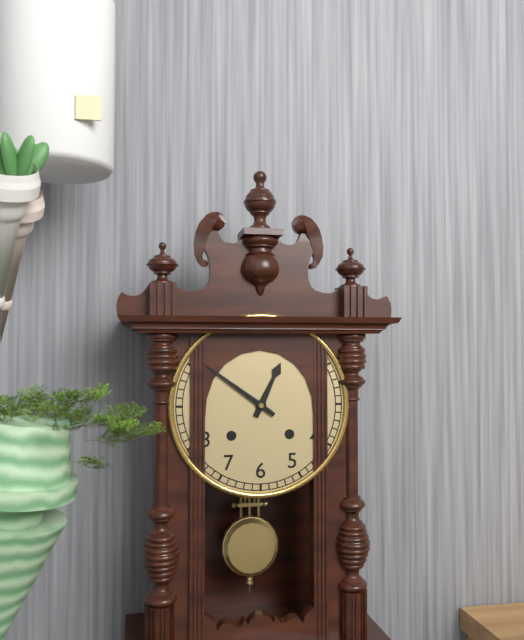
12 h 51 min
